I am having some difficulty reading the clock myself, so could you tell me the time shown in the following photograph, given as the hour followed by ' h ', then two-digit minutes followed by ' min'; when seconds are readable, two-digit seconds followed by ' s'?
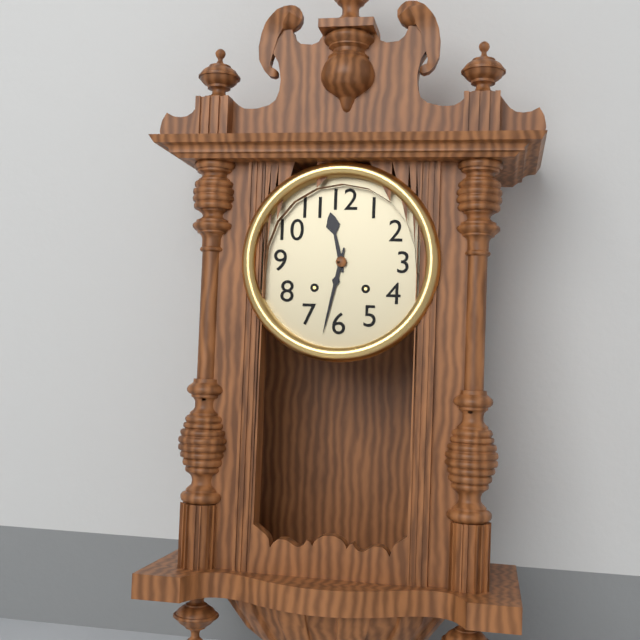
11 h 32 min
